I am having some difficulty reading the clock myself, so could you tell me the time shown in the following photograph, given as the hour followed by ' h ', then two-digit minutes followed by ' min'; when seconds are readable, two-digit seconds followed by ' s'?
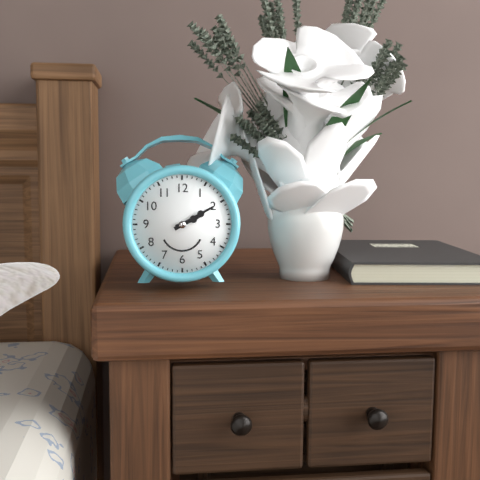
2 h 10 min
